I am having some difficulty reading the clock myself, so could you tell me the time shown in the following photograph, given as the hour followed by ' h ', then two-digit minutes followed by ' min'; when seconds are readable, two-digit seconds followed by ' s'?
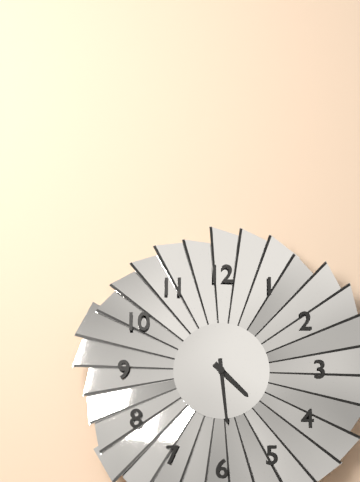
4 h 29 min
